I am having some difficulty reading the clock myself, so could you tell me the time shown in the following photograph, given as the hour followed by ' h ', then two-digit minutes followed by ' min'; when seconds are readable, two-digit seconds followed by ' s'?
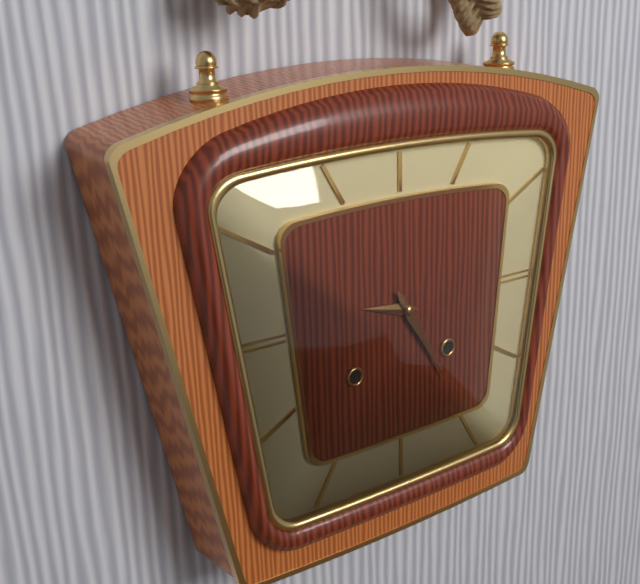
9 h 25 min
